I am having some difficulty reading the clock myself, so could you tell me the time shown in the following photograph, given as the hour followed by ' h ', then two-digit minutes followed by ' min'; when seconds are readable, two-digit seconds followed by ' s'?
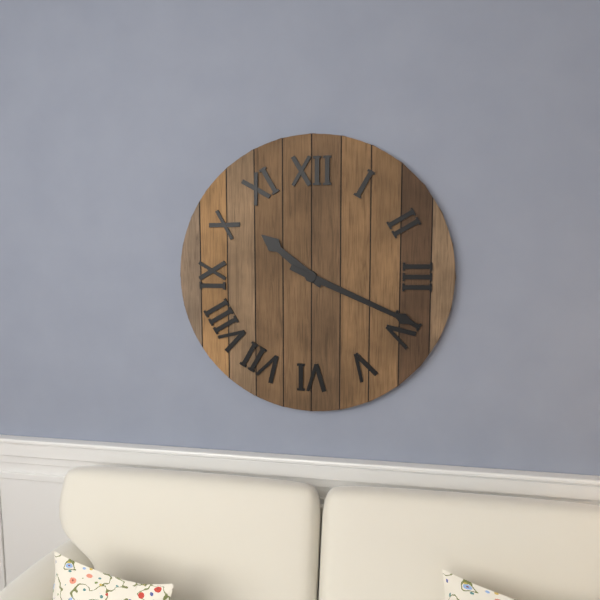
10 h 19 min
